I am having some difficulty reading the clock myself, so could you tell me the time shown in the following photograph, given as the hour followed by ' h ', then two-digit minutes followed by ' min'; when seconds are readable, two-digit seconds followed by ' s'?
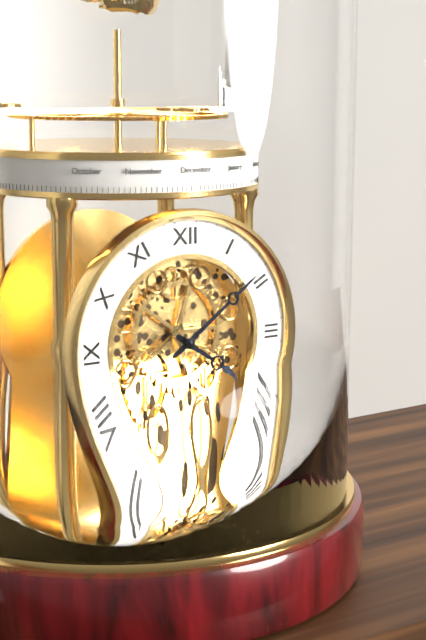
4 h 09 min
